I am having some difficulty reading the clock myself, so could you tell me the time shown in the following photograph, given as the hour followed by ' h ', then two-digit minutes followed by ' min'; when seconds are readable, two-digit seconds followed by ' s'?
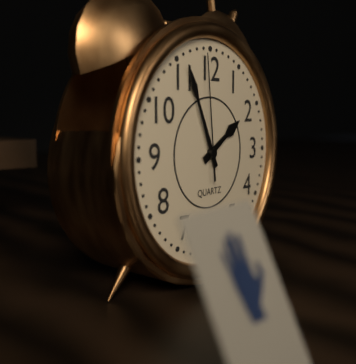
1 h 56 min 59 s
